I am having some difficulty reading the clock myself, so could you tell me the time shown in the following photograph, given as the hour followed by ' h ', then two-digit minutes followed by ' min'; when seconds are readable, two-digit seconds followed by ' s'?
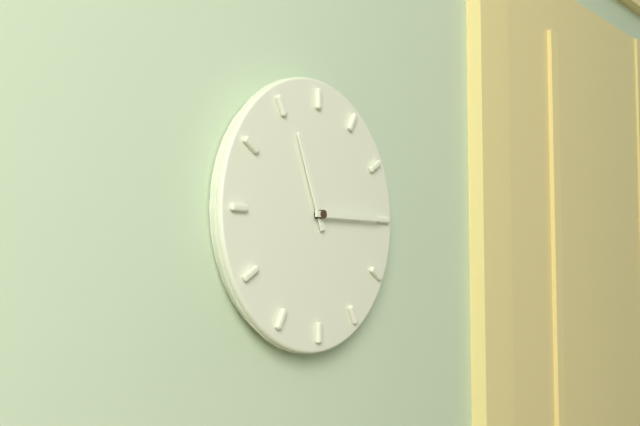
11 h 15 min
